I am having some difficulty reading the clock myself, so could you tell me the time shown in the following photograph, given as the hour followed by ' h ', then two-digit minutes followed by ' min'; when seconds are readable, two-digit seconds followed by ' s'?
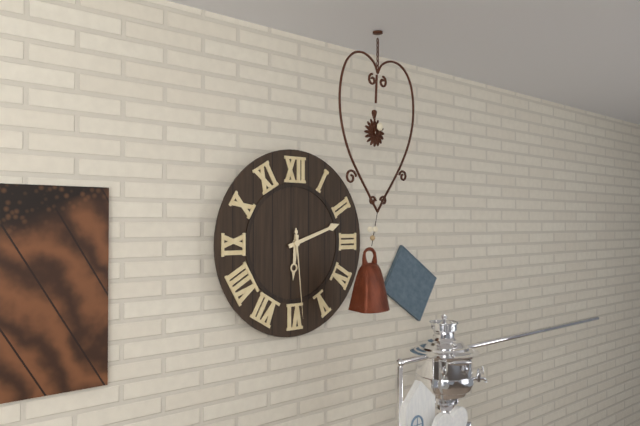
6 h 12 min 29 s
